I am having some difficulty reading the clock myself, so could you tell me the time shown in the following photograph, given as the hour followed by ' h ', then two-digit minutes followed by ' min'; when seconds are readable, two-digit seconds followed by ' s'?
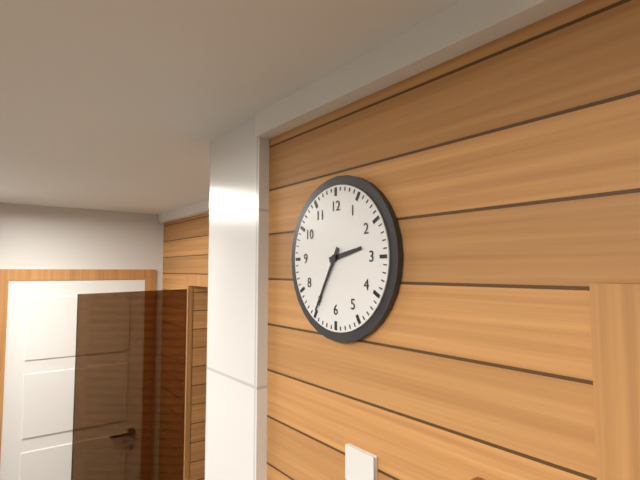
2 h 35 min
